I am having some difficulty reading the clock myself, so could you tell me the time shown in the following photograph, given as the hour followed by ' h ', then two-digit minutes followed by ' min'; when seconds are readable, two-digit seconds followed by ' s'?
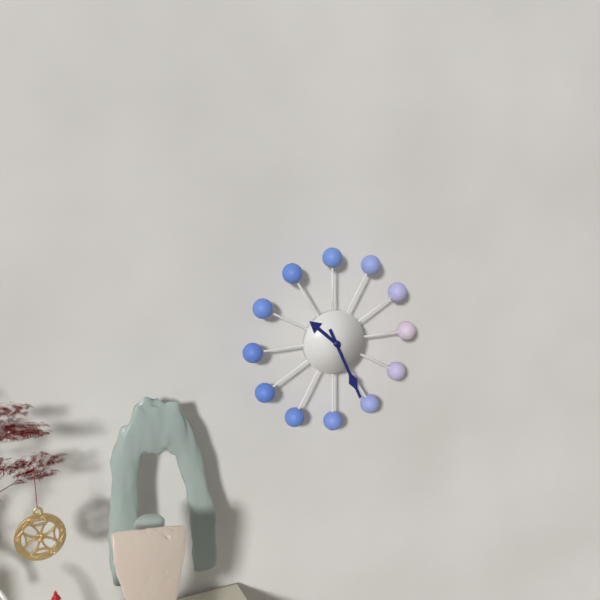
10 h 26 min
